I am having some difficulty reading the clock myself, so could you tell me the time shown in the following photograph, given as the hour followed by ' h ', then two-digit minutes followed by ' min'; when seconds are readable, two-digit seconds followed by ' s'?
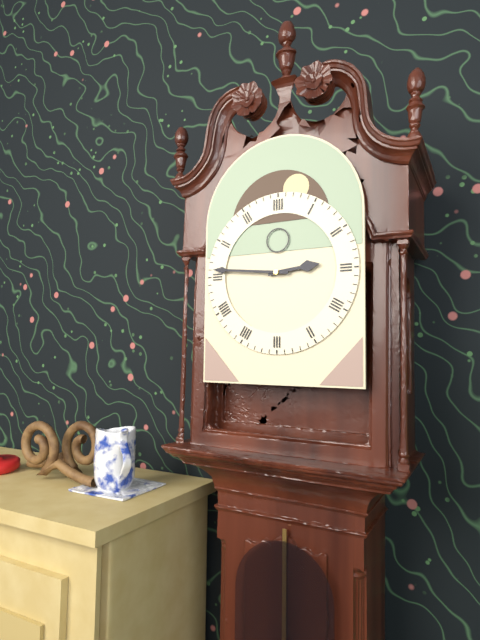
2 h 46 min
